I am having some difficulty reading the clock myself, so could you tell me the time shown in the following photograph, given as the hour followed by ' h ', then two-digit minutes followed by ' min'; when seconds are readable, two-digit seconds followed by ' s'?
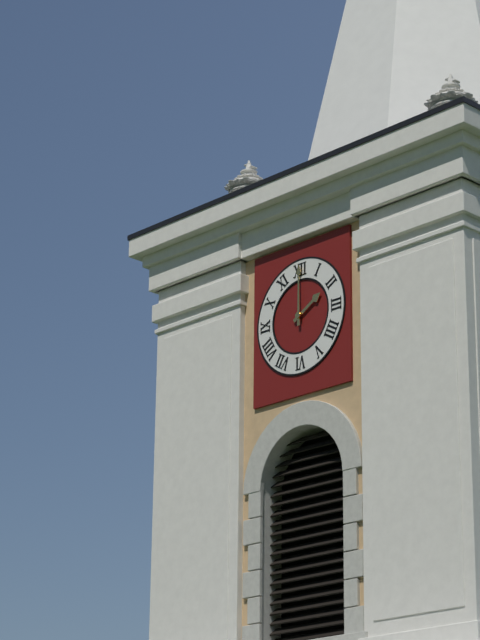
2 h 00 min
